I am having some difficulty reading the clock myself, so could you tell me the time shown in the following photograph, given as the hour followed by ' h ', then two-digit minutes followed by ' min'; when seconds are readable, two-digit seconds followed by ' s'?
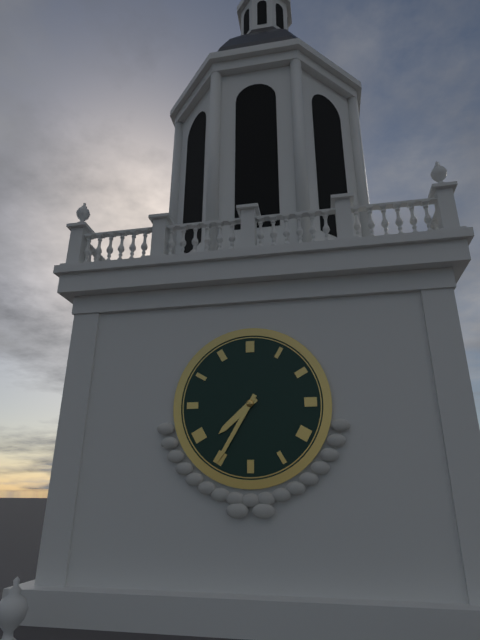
7 h 35 min
